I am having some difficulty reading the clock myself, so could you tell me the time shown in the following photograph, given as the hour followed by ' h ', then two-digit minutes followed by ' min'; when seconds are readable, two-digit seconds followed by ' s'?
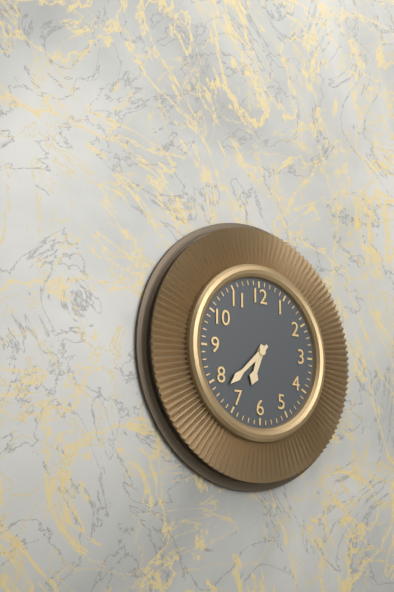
6 h 38 min
